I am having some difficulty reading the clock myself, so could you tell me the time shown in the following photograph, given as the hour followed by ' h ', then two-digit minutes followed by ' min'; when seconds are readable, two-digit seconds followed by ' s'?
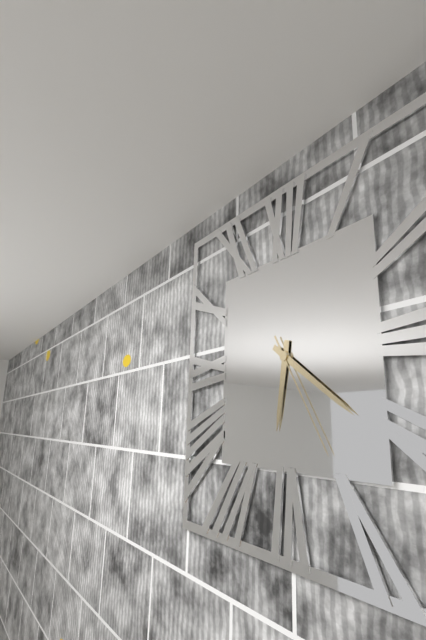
6 h 21 min 25 s
